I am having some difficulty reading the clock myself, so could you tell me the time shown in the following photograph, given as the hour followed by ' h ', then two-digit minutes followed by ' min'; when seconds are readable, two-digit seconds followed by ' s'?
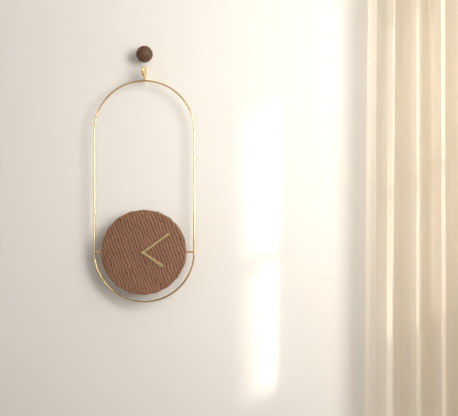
4 h 09 min
